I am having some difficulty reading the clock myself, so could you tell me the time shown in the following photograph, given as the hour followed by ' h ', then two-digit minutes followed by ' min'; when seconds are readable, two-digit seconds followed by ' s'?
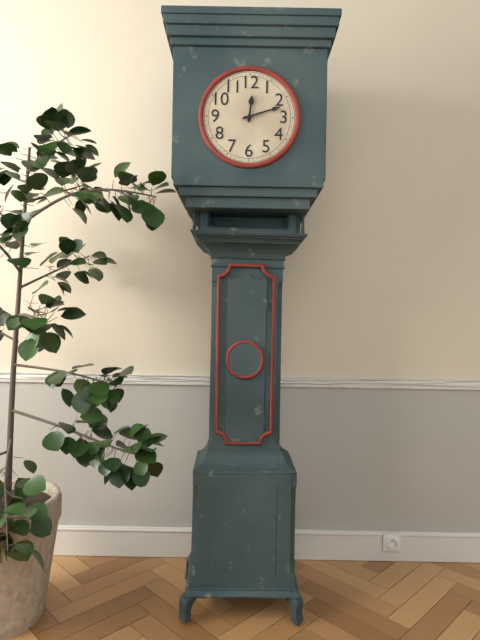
12 h 12 min
